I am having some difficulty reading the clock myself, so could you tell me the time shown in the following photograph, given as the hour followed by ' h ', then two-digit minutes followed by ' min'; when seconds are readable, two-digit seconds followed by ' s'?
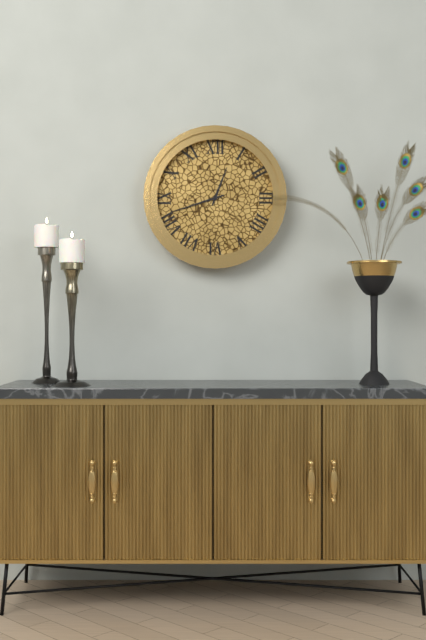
12 h 42 min
